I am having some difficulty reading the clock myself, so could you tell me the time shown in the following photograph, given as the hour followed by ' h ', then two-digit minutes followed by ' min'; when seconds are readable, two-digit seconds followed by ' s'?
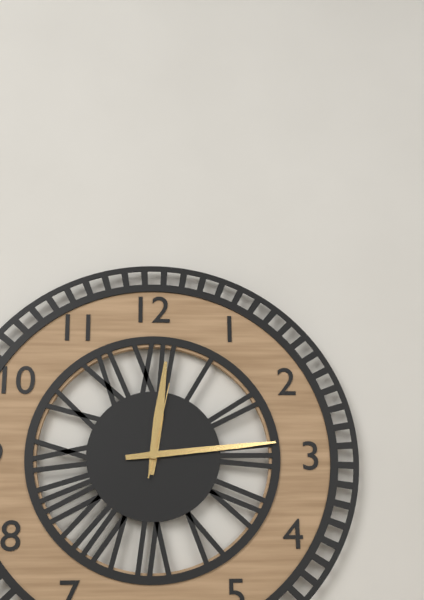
12 h 14 min 02 s
